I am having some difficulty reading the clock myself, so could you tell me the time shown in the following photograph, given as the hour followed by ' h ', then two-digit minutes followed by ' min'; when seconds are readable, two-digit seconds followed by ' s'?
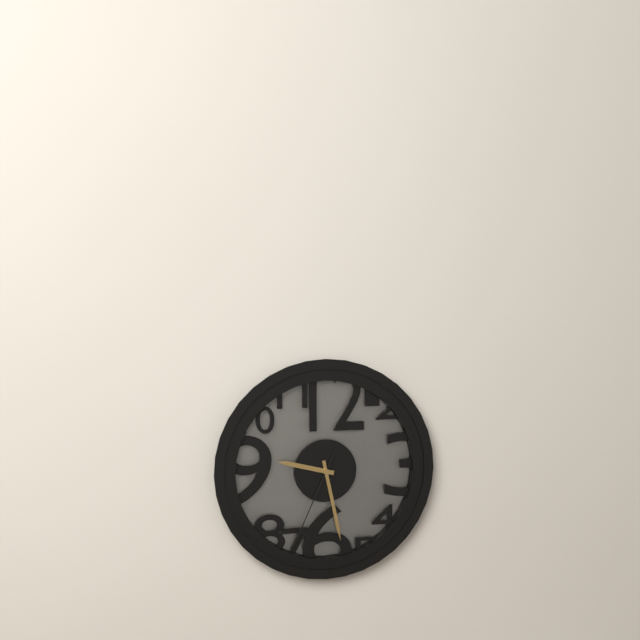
9 h 28 min 34 s
